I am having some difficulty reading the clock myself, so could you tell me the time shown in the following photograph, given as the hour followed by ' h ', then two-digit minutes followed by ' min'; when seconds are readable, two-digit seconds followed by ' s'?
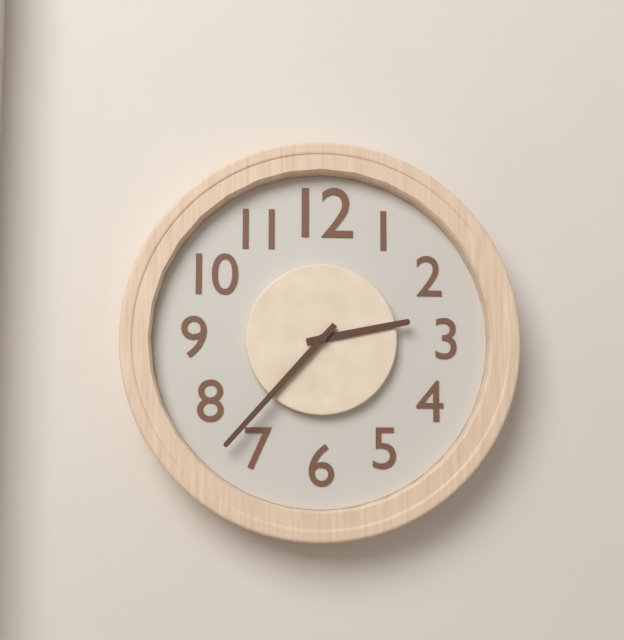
2 h 37 min
